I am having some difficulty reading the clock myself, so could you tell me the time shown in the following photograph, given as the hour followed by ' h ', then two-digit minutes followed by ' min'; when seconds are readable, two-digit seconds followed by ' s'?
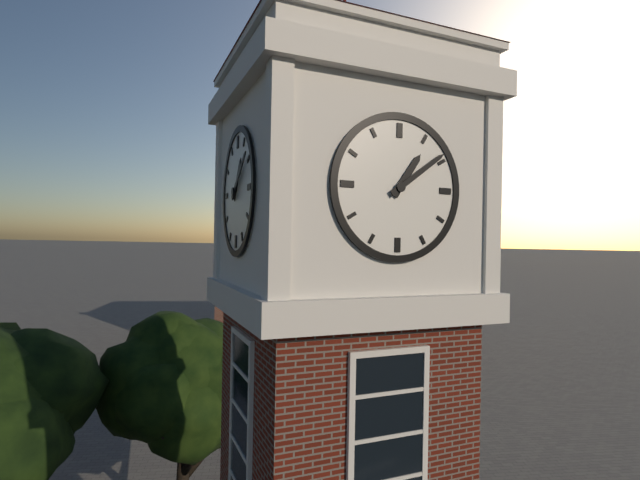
1 h 09 min
